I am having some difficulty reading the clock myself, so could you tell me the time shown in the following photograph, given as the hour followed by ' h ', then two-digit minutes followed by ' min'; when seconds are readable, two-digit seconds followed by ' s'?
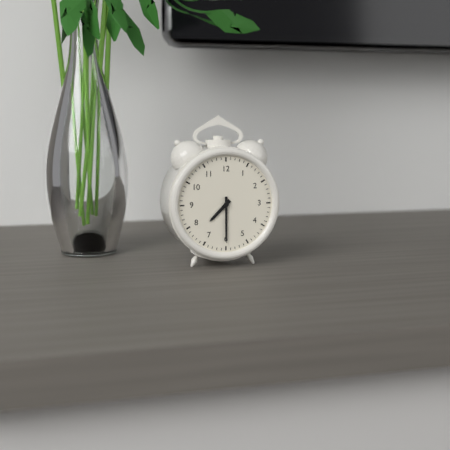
7 h 30 min
